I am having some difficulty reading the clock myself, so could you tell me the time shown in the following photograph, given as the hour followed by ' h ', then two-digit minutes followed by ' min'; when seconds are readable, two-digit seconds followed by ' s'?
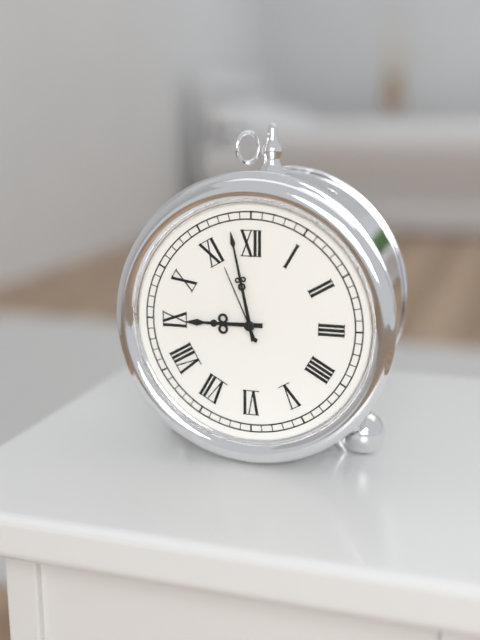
8 h 58 min 56 s
